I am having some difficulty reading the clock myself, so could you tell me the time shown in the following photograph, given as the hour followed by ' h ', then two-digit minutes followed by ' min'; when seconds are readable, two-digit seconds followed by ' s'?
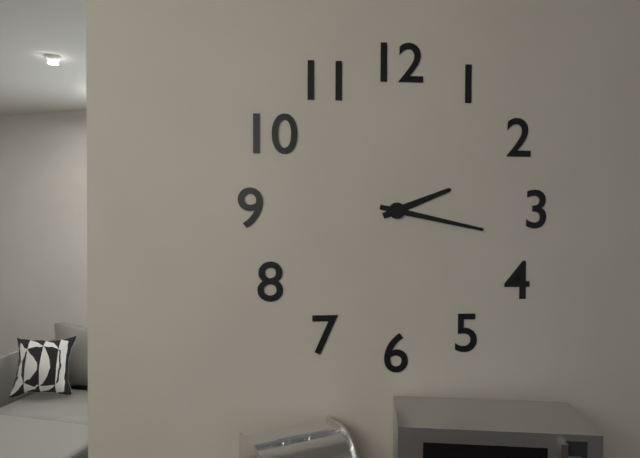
2 h 17 min
